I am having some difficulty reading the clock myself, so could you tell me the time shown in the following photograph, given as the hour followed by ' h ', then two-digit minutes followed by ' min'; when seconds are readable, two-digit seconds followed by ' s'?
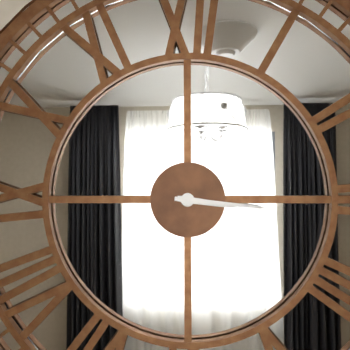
3 h 16 min
